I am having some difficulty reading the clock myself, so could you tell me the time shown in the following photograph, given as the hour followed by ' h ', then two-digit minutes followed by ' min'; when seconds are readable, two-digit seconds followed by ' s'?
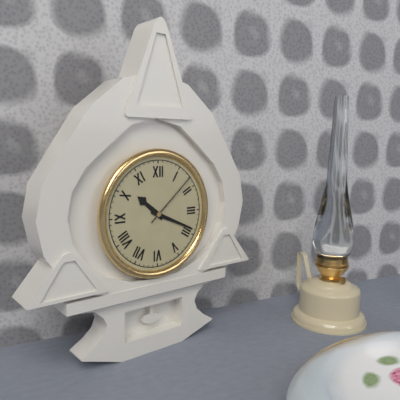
10 h 19 min 08 s
